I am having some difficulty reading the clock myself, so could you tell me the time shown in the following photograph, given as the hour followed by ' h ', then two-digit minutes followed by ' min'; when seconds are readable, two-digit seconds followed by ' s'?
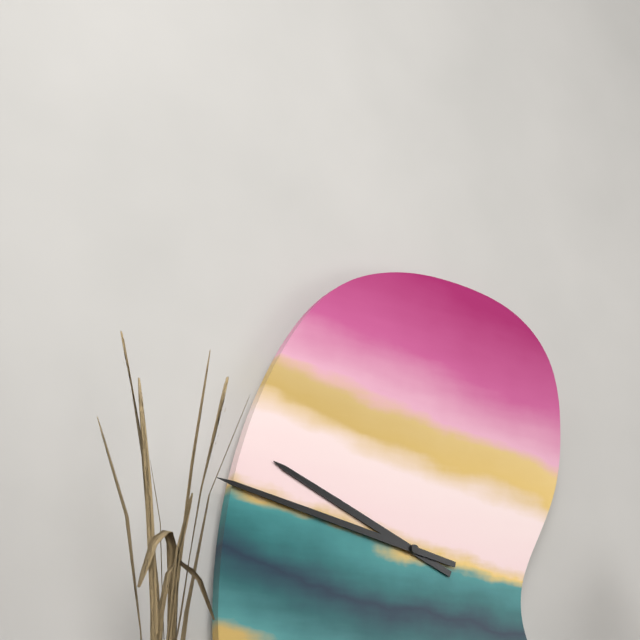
9 h 47 min
